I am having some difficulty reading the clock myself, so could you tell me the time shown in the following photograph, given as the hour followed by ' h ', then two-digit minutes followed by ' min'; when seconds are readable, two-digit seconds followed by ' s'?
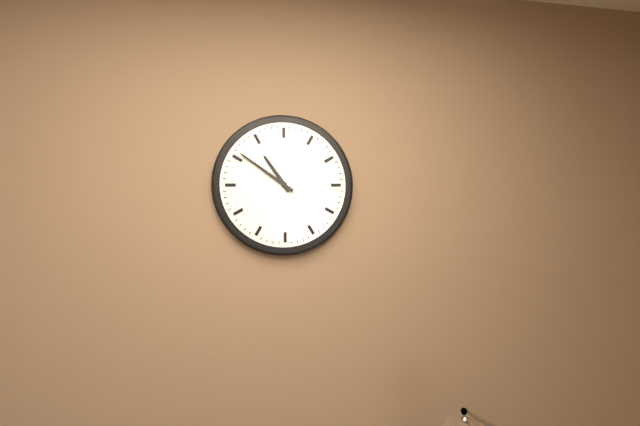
10 h 51 min
